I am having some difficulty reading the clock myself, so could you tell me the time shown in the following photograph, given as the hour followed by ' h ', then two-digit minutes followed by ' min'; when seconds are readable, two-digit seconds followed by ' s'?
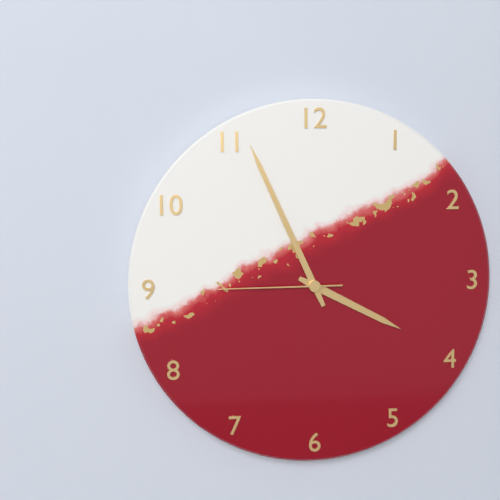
3 h 56 min 45 s
